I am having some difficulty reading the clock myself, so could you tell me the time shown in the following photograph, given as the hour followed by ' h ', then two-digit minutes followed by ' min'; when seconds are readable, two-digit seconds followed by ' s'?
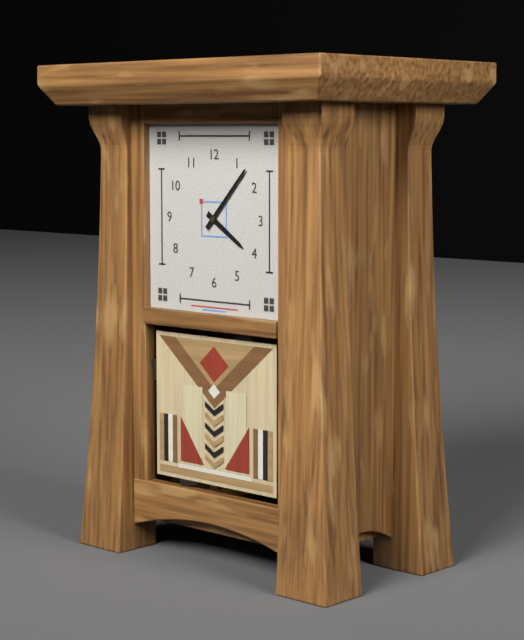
4 h 07 min
